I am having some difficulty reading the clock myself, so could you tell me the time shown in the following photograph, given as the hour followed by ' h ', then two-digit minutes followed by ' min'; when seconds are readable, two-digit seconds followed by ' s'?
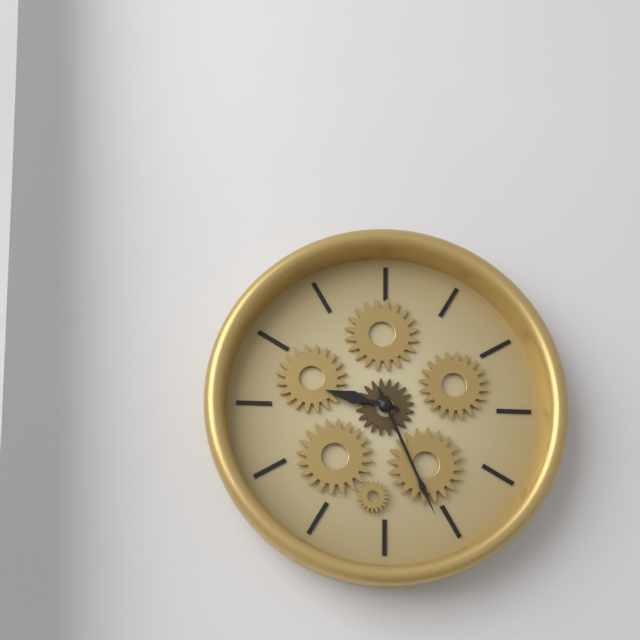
9 h 26 min
